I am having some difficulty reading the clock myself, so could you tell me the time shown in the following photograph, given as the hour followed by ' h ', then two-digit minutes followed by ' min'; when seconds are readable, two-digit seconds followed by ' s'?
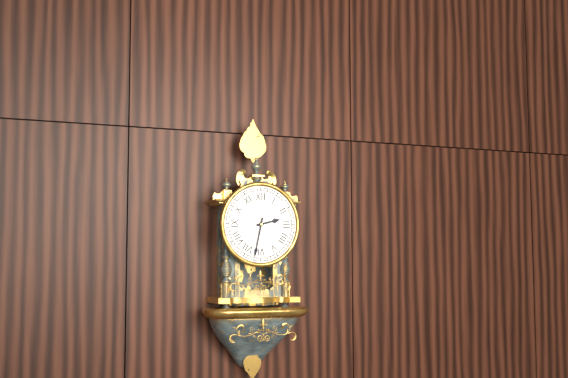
2 h 32 min
